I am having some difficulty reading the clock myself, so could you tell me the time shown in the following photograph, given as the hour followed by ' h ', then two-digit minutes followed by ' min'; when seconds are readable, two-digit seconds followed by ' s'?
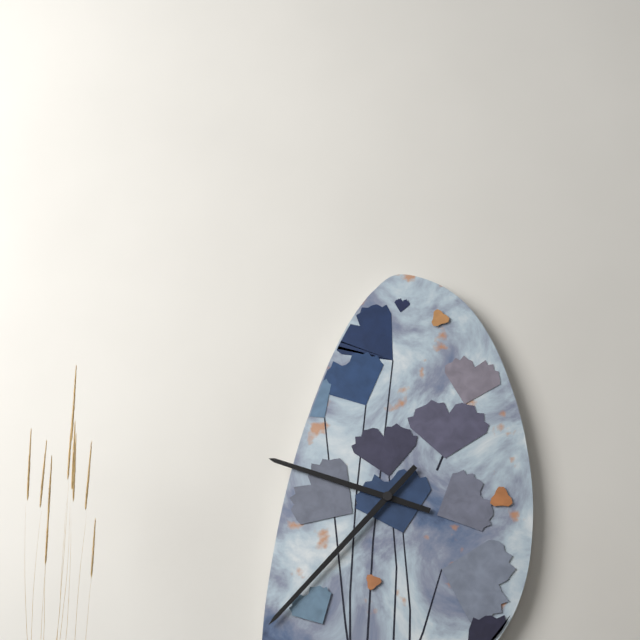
9 h 37 min
